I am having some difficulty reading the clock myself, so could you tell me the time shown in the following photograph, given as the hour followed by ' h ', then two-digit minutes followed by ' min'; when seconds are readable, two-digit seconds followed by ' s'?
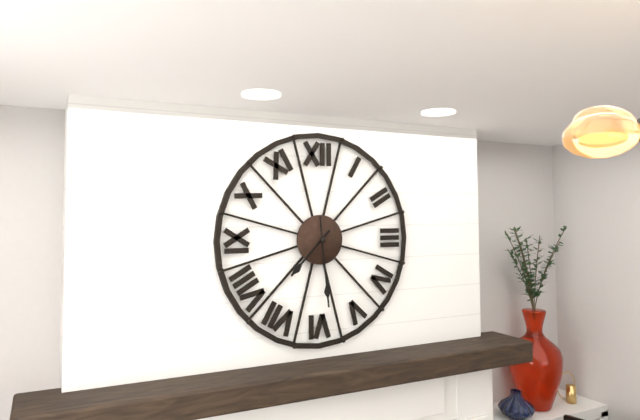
7 h 29 min
